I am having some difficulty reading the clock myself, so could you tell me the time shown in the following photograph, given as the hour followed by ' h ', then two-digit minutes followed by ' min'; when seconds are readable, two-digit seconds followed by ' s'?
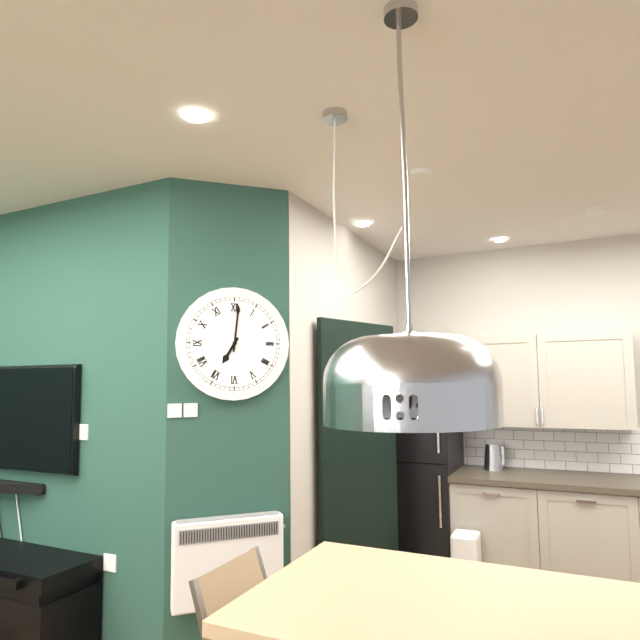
7 h 01 min
